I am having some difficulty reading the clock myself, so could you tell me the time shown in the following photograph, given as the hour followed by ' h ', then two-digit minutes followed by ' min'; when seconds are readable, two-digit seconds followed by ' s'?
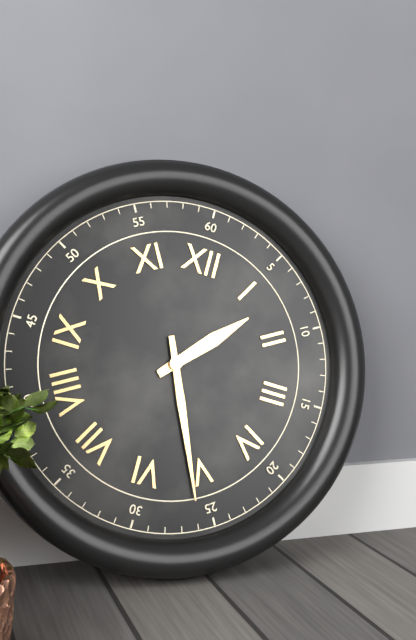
1 h 26 min
